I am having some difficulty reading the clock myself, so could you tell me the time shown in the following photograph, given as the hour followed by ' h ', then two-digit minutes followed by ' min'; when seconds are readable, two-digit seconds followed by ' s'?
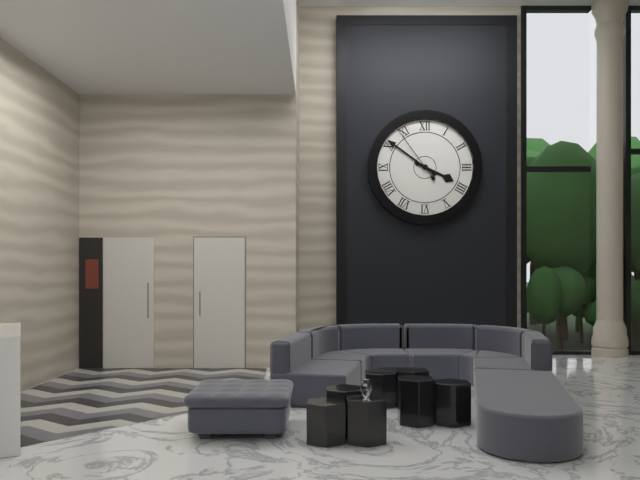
3 h 51 min 54 s
